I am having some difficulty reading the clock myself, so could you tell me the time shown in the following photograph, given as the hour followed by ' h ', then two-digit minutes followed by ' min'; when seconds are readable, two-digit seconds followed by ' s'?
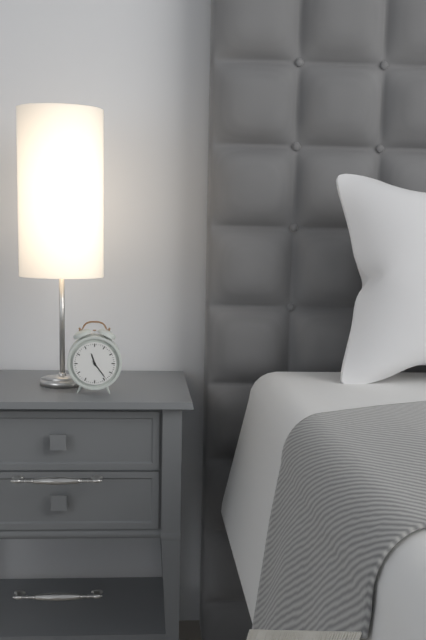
11 h 24 min
